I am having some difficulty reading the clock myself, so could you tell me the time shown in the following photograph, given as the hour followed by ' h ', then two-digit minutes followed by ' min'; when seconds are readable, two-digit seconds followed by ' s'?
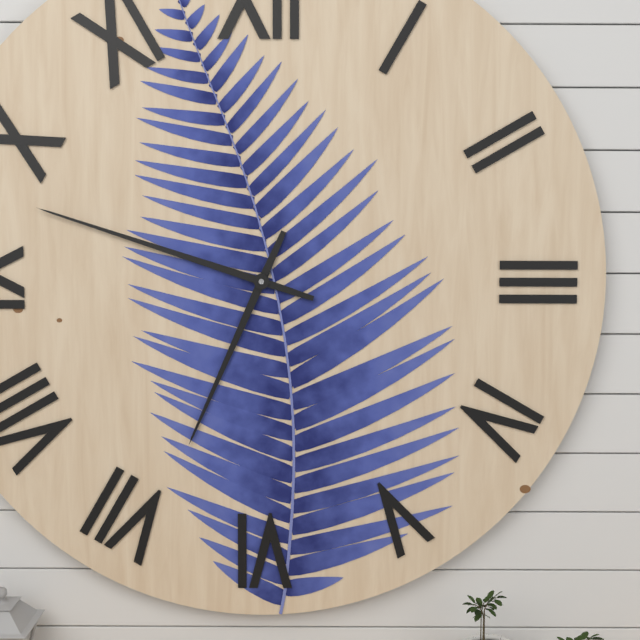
6 h 48 min
